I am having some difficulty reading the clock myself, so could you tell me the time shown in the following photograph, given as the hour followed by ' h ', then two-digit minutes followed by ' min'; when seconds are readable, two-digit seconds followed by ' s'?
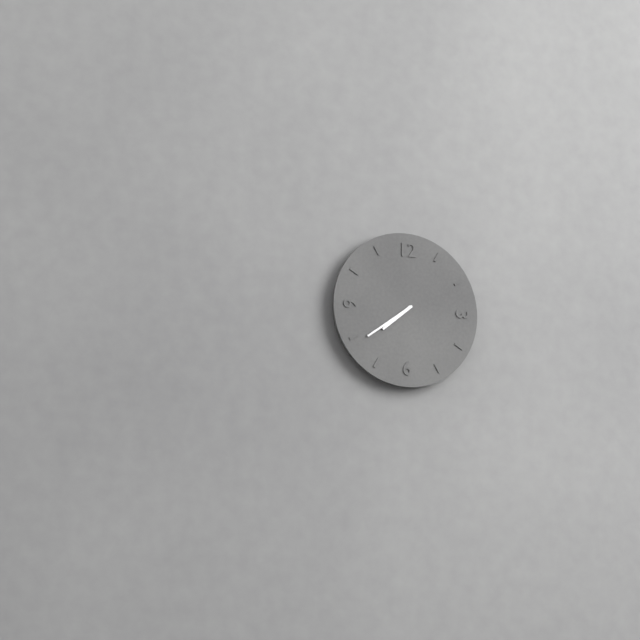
7 h 39 min
